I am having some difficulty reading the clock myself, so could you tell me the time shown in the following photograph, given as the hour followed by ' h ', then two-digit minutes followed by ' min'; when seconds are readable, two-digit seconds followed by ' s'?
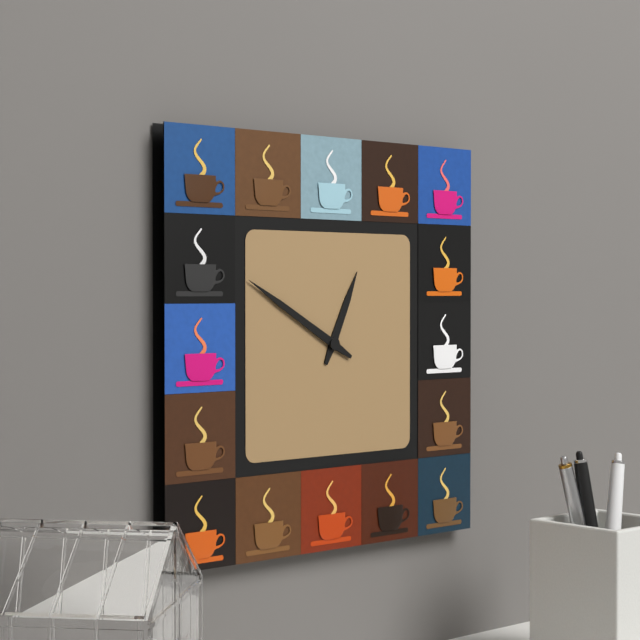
12 h 50 min
